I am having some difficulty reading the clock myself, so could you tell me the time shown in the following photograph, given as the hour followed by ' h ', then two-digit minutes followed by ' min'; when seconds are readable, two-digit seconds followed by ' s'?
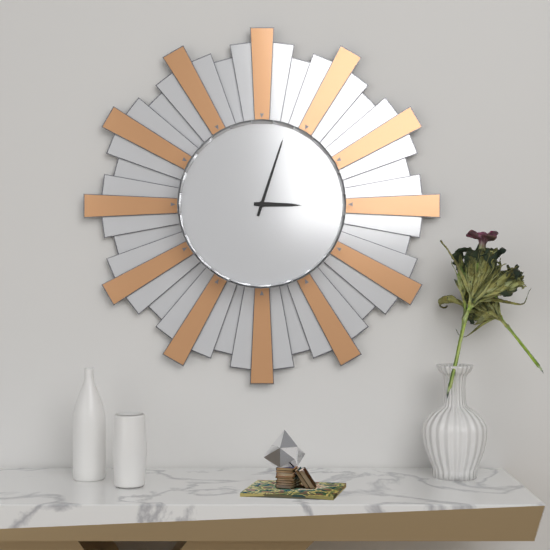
3 h 03 min
